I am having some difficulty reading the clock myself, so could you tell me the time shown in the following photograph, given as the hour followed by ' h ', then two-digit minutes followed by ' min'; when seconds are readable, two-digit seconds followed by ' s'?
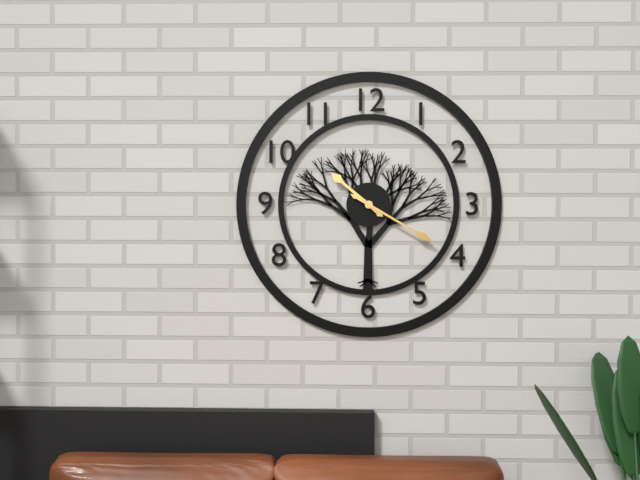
10 h 20 min
